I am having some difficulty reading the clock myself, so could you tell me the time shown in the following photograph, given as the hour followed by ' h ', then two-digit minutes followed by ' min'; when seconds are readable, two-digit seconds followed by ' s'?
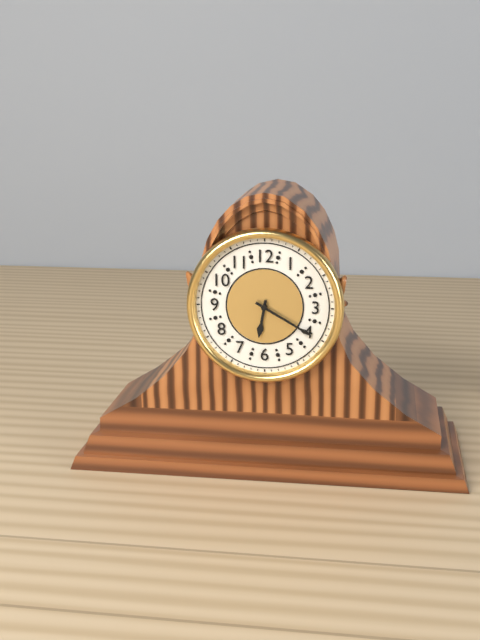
6 h 20 min
